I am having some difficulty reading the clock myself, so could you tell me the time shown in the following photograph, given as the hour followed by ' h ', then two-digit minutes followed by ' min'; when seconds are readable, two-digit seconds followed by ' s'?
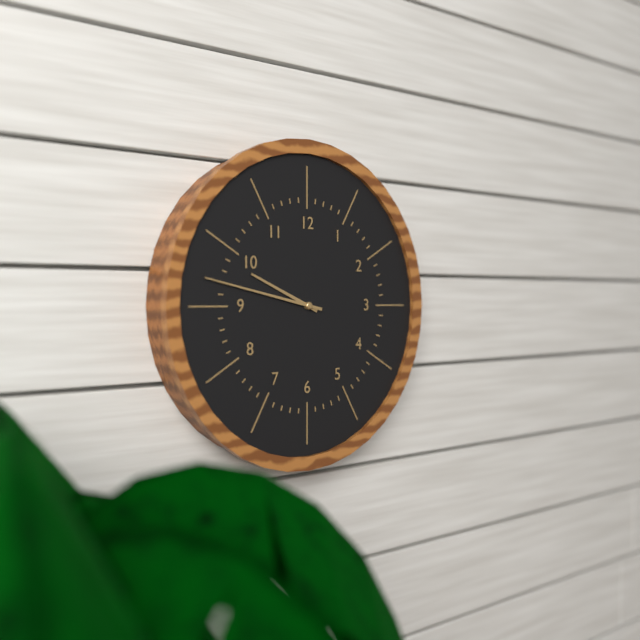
9 h 47 min
